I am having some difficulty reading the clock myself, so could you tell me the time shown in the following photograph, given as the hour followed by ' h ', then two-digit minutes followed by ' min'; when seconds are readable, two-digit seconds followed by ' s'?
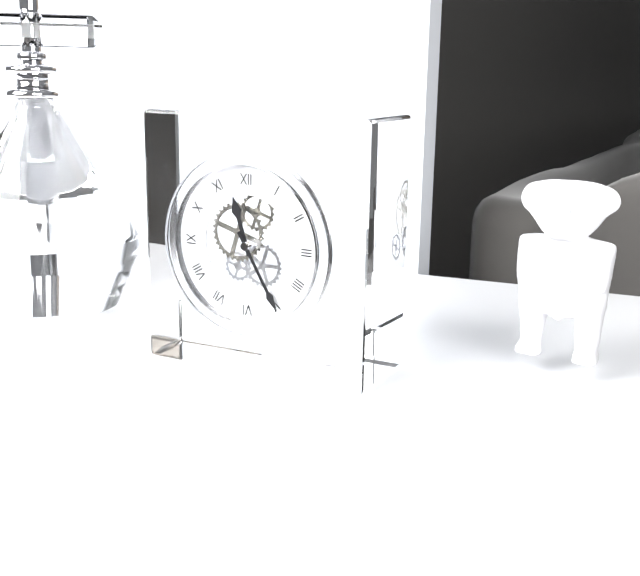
11 h 25 min
